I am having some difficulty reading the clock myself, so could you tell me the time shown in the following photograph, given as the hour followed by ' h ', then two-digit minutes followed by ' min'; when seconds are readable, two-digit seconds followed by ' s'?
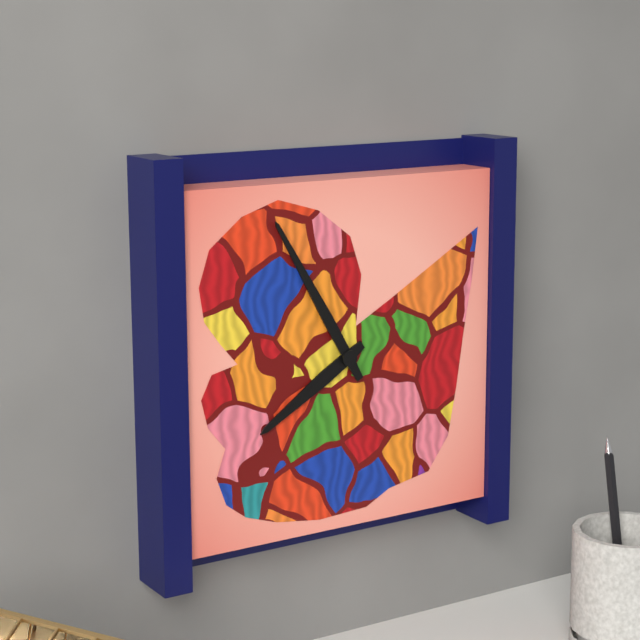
7 h 55 min
